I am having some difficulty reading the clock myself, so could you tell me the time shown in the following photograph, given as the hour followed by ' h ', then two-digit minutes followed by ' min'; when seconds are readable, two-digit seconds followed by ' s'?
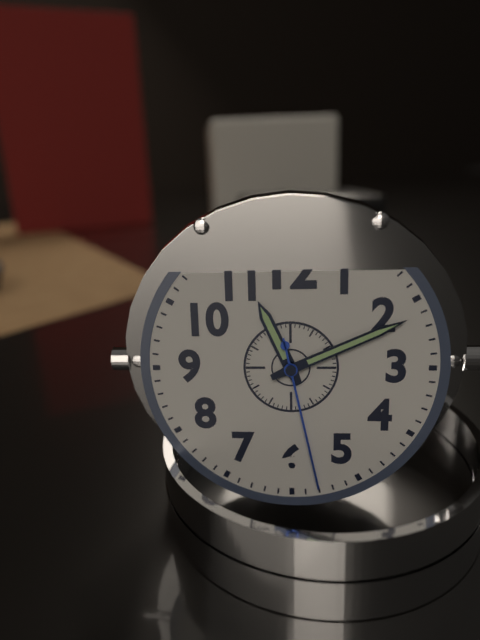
11 h 11 min 28 s
